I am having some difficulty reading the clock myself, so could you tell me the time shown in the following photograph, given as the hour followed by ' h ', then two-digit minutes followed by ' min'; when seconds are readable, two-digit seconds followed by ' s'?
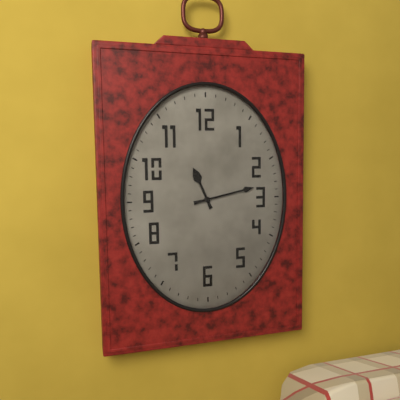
11 h 13 min
